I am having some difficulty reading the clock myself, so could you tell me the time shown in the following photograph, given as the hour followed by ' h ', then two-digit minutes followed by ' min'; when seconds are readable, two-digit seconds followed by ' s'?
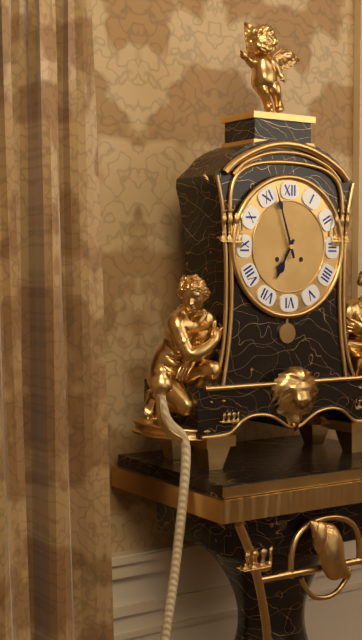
6 h 57 min
